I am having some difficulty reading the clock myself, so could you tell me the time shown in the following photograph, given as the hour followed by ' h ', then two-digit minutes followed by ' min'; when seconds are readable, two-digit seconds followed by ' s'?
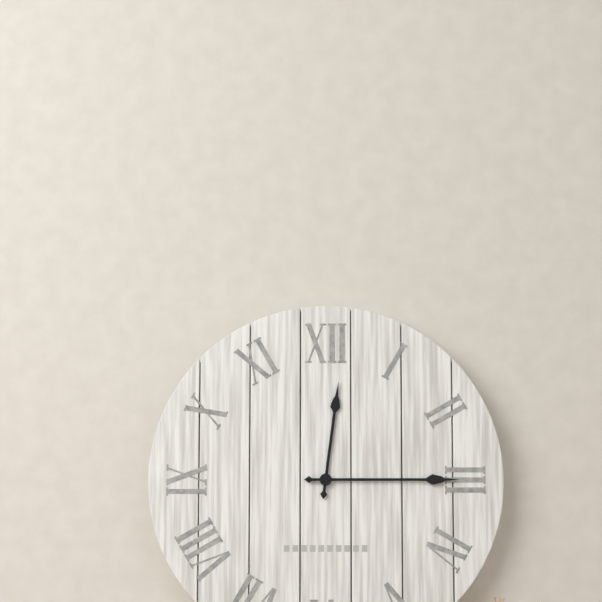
12 h 15 min
